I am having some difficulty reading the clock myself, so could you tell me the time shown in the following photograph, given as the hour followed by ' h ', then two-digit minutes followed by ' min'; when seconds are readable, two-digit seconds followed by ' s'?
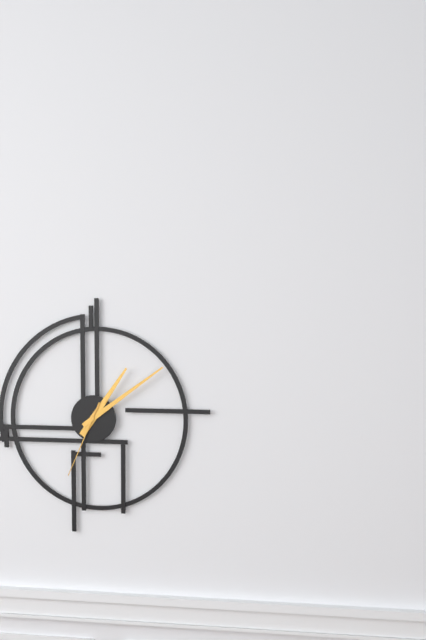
1 h 09 min 34 s
